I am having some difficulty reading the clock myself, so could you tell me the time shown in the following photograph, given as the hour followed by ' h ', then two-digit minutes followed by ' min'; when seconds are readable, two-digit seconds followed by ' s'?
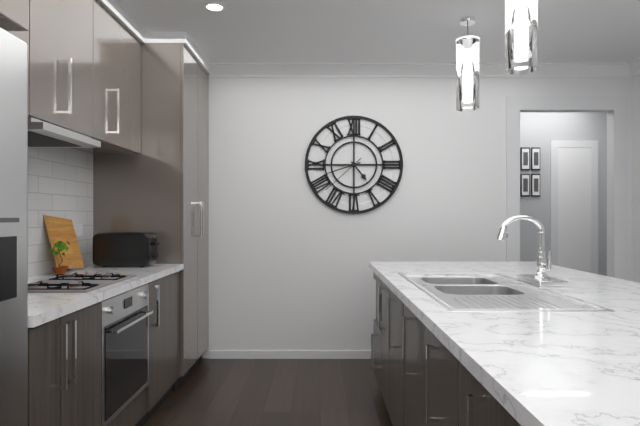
4 h 42 min
